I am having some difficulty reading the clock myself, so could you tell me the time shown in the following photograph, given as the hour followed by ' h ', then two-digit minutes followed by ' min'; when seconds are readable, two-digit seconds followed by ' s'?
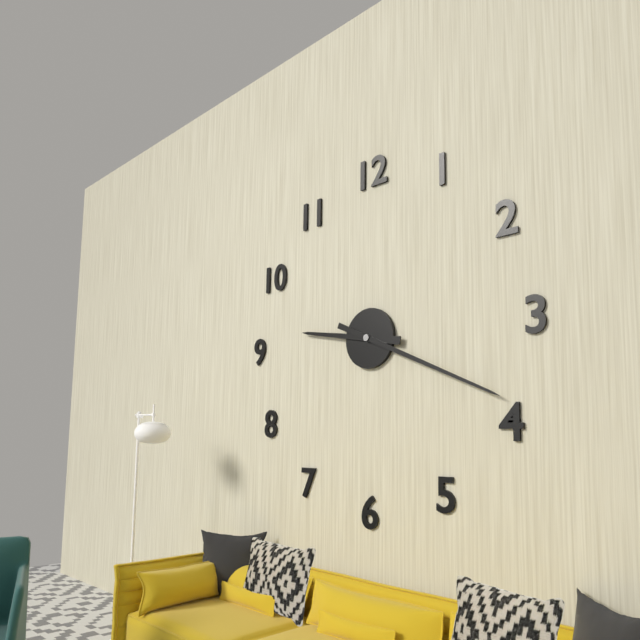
9 h 19 min
